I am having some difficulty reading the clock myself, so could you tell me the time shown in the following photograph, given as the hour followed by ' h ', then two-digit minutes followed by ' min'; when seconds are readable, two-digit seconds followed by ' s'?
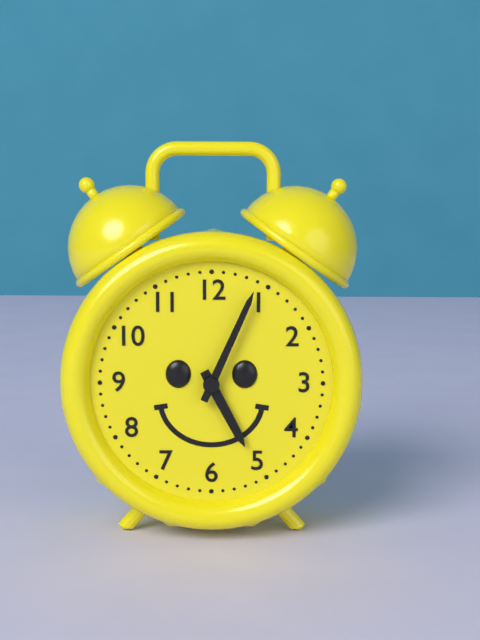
5 h 04 min
